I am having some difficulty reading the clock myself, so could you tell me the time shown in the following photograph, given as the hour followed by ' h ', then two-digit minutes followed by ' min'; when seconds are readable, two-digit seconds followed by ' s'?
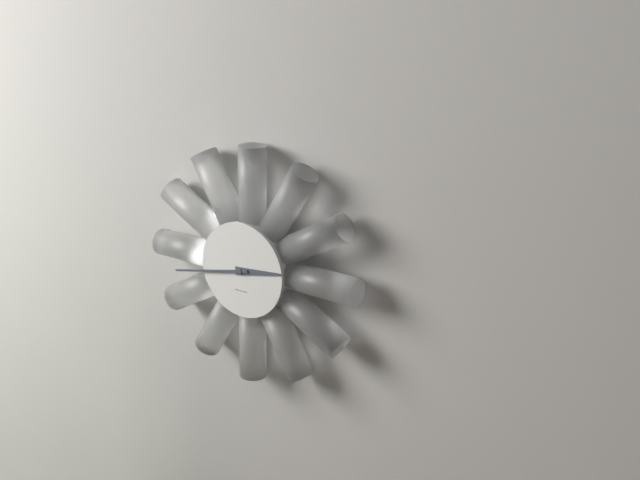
2 h 43 min
